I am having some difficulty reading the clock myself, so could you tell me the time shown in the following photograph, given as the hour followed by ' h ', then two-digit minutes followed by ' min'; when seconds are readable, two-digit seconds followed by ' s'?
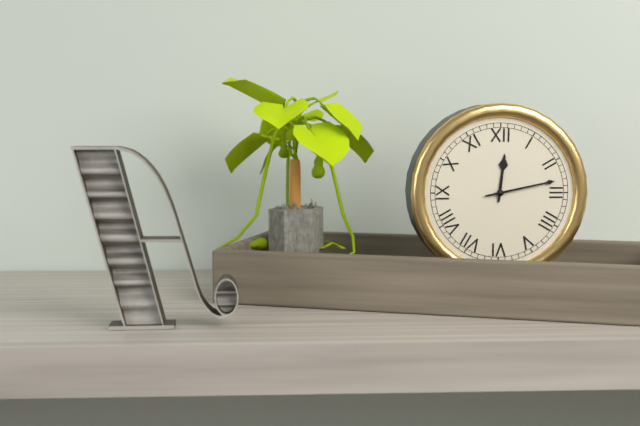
12 h 13 min
